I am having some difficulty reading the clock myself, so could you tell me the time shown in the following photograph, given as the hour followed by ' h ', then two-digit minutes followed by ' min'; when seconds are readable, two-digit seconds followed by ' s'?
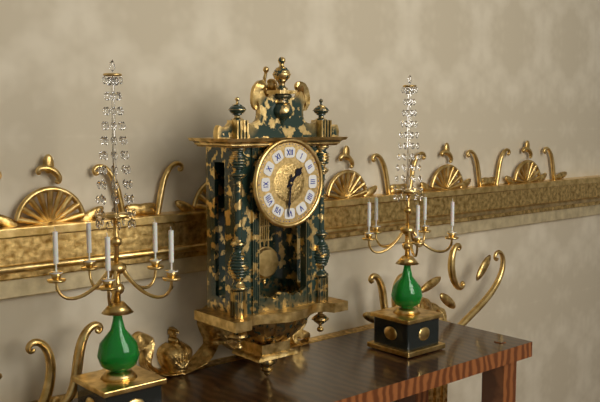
1 h 31 min
